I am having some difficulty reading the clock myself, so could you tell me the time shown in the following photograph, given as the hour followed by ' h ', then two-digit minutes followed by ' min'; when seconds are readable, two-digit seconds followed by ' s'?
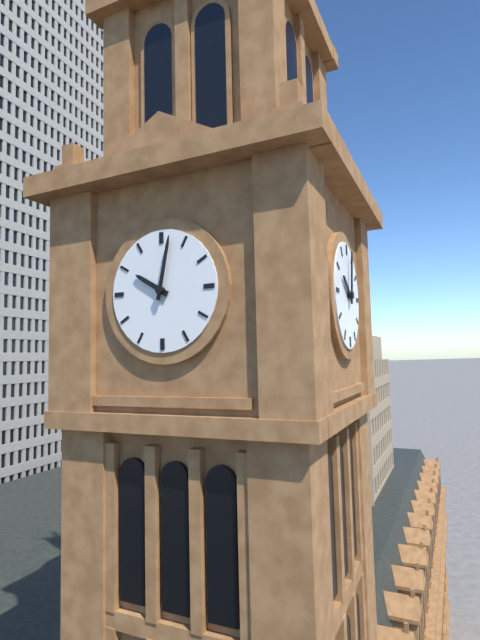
10 h 02 min
